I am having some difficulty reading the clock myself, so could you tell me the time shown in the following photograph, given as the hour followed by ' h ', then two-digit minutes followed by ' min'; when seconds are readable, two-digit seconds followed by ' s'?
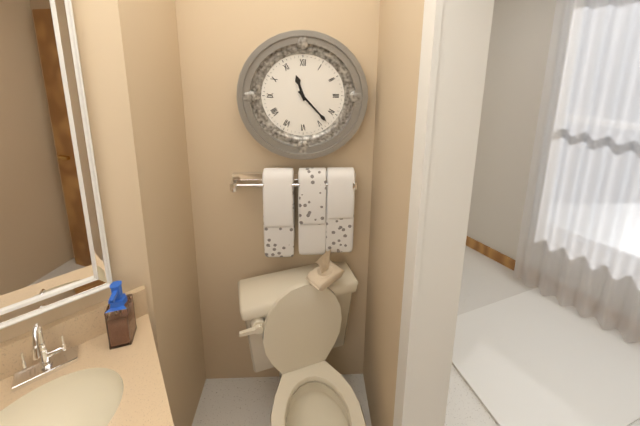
11 h 23 min
